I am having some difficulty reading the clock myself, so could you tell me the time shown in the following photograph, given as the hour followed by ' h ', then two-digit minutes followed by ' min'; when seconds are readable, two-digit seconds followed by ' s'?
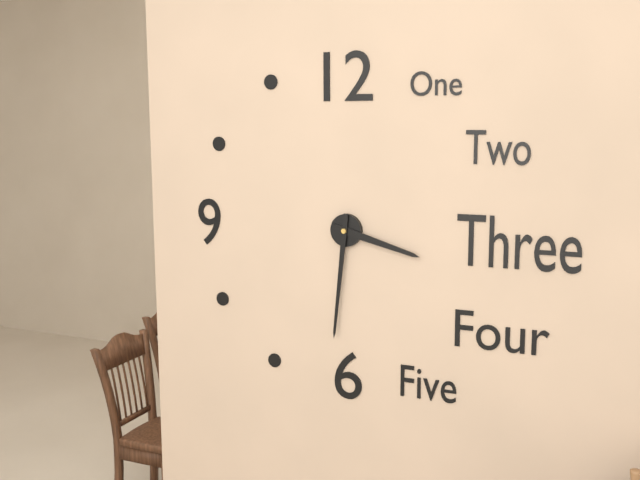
3 h 31 min
